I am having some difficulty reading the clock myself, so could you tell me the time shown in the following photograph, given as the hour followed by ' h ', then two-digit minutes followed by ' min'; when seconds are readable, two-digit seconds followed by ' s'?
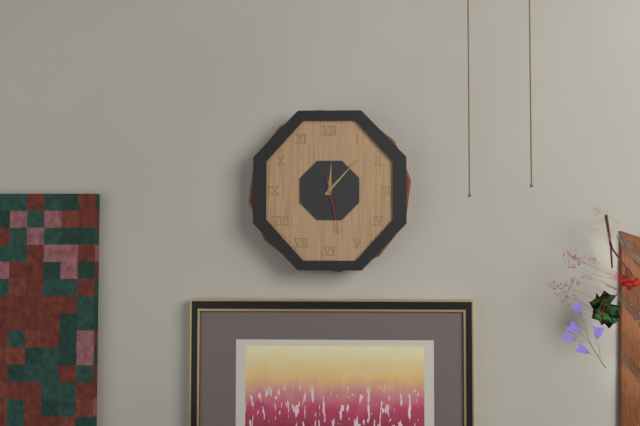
12 h 07 min 28 s
